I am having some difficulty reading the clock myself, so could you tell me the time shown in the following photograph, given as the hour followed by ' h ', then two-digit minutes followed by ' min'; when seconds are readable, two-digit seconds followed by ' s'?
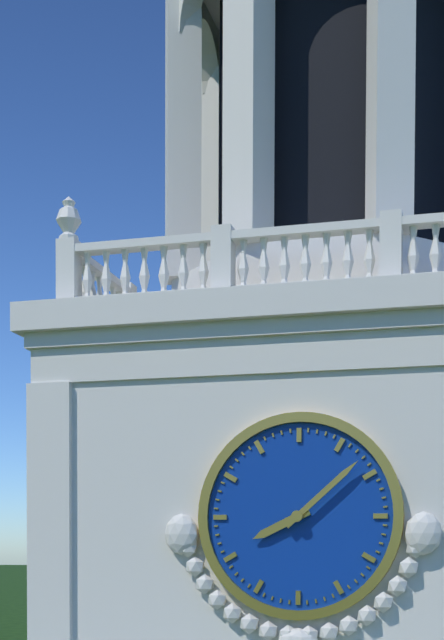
8 h 08 min
